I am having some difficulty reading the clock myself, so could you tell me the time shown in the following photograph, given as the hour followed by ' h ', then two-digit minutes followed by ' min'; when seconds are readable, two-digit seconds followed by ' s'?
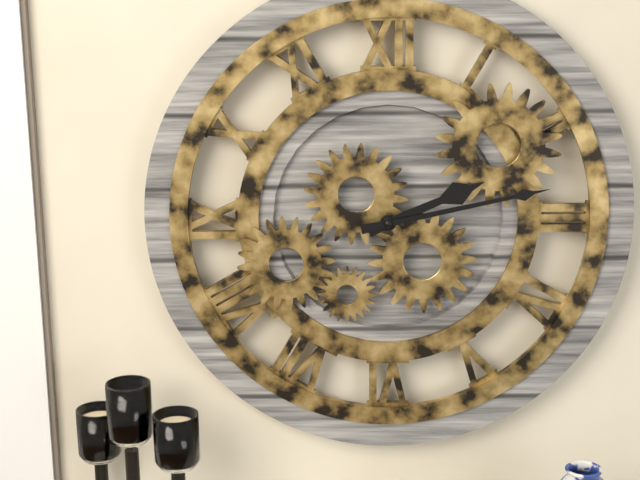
2 h 13 min
